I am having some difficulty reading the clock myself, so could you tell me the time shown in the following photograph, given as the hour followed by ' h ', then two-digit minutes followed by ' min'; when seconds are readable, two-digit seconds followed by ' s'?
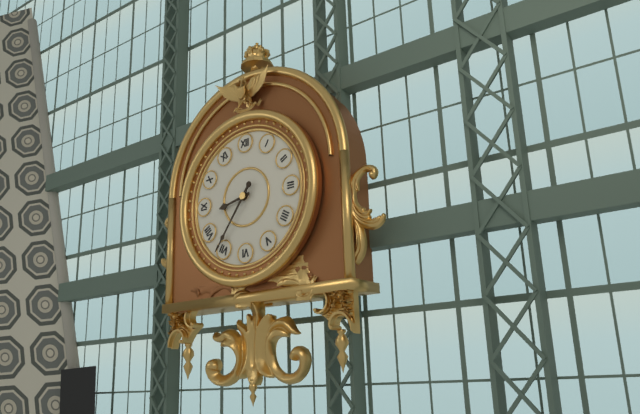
8 h 36 min
